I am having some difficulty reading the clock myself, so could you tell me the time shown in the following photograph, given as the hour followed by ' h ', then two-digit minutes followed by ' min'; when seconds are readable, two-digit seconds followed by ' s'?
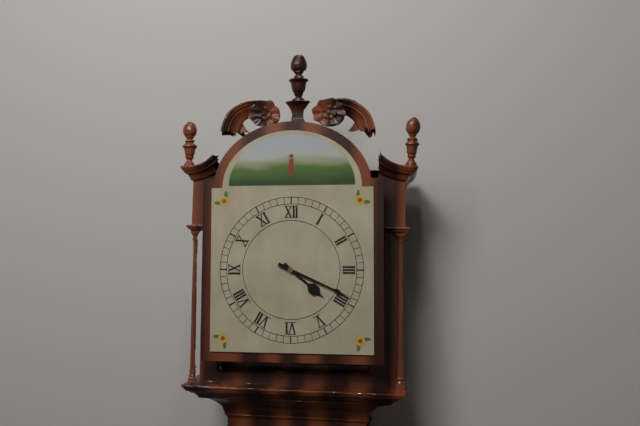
4 h 19 min
